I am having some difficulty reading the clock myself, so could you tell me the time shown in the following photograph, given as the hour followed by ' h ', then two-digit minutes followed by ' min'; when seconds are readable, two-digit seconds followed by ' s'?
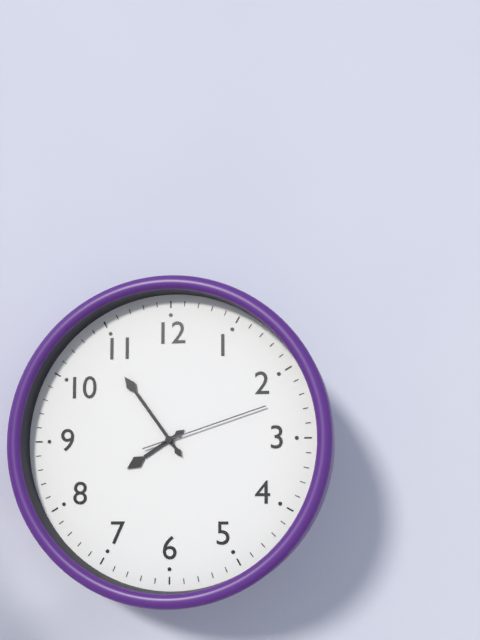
7 h 54 min 12 s
